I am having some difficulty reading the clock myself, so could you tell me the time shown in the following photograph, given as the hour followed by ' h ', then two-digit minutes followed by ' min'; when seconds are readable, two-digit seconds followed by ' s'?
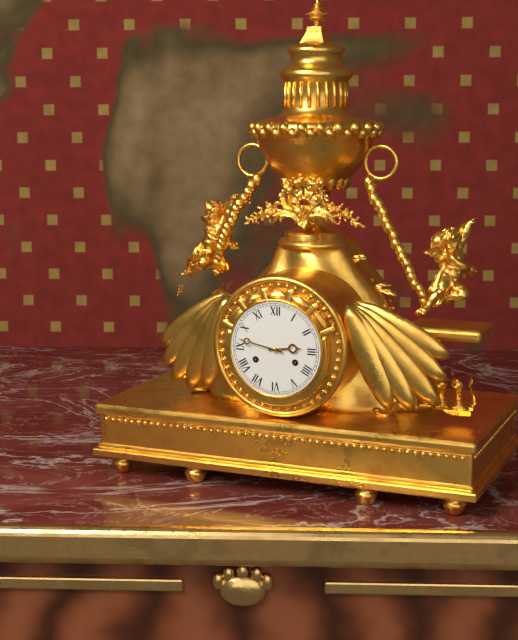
2 h 47 min
